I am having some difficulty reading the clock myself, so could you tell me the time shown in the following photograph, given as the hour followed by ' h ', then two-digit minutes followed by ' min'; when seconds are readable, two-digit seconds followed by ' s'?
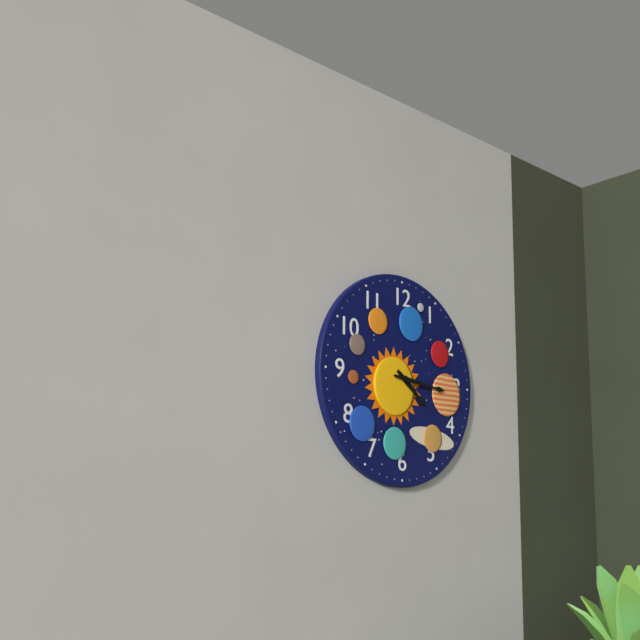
4 h 16 min
